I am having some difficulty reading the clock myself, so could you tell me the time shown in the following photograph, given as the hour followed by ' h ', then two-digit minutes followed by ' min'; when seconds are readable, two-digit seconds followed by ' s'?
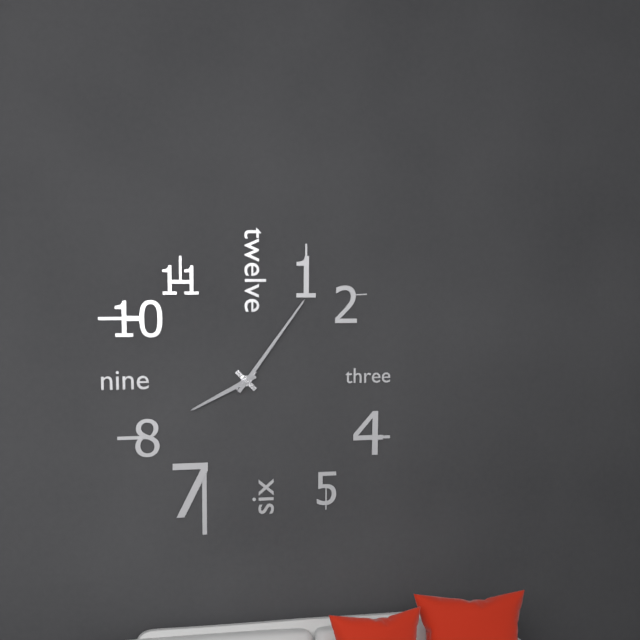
8 h 06 min
